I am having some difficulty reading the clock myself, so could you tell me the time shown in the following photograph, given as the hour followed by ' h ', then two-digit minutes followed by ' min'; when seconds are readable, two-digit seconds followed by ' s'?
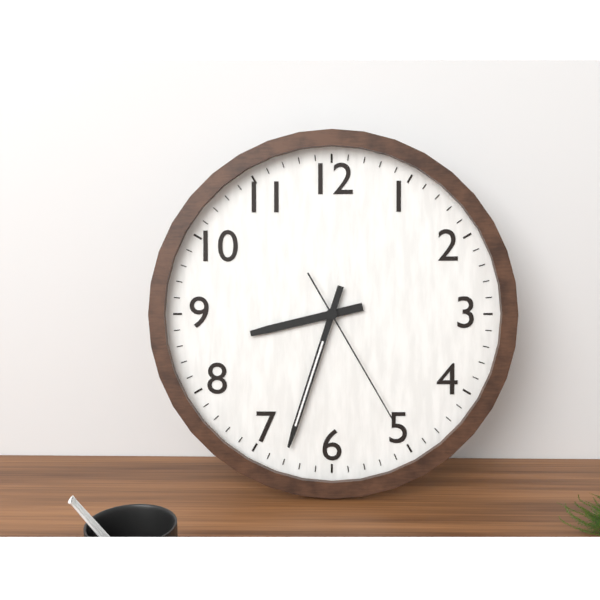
8 h 33 min 25 s
